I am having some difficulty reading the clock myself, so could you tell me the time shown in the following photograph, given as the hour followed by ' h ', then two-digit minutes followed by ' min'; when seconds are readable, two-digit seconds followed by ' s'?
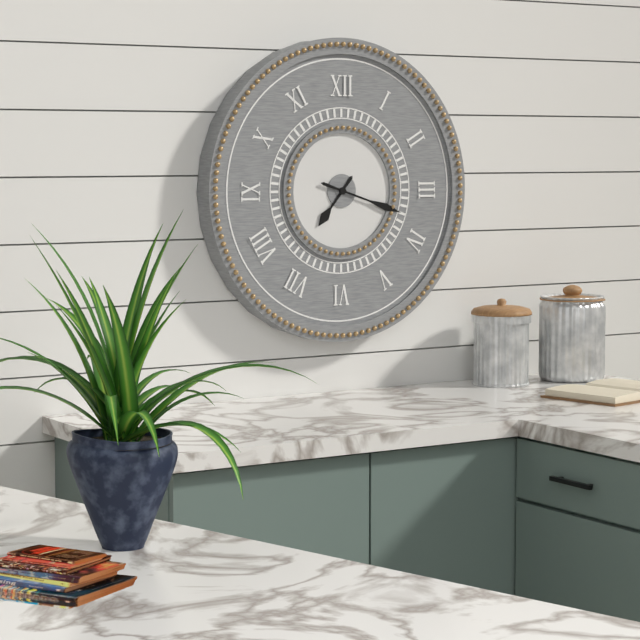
7 h 18 min
